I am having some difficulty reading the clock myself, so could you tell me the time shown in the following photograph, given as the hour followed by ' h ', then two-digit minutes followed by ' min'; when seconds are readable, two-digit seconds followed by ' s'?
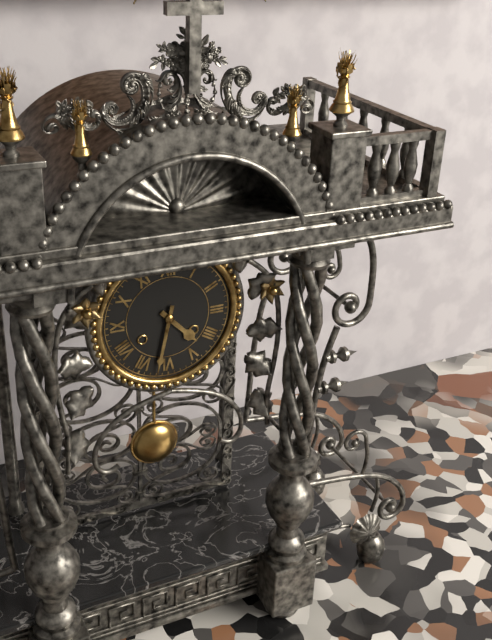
4 h 32 min
